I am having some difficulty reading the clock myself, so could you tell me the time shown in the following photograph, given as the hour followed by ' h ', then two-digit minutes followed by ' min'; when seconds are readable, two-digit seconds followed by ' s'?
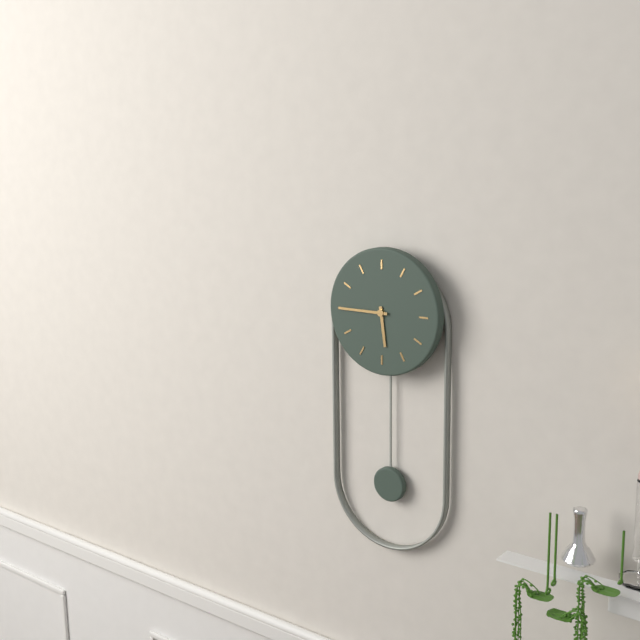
5 h 45 min
